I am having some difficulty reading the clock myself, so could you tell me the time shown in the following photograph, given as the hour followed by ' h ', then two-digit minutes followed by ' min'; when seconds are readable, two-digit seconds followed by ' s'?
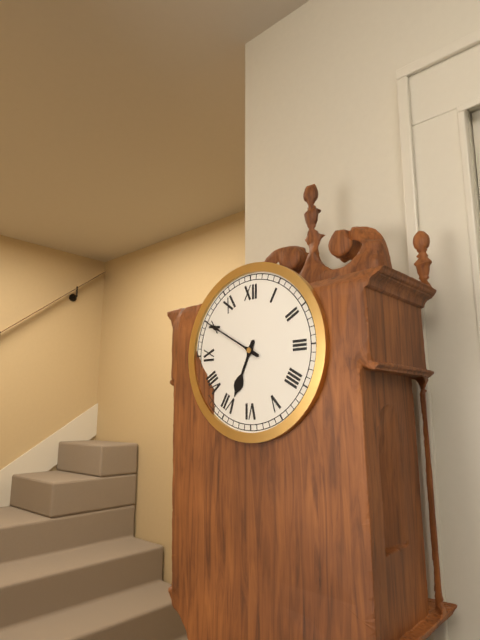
6 h 50 min
